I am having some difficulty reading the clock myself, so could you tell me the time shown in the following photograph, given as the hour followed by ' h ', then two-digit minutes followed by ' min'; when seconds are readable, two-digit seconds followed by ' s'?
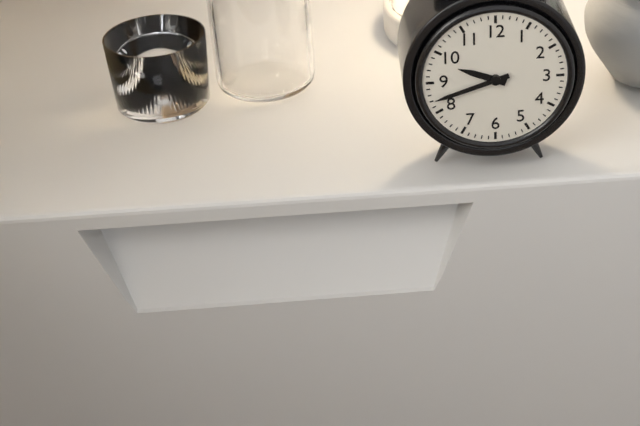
9 h 42 min
